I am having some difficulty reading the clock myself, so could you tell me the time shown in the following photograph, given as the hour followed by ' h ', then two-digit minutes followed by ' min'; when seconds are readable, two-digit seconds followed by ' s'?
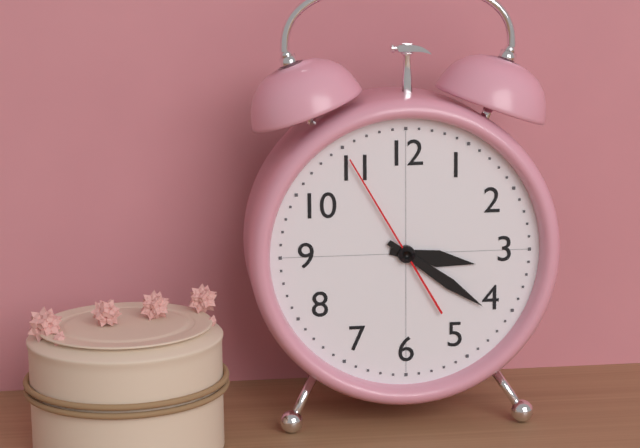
3 h 21 min 55 s
